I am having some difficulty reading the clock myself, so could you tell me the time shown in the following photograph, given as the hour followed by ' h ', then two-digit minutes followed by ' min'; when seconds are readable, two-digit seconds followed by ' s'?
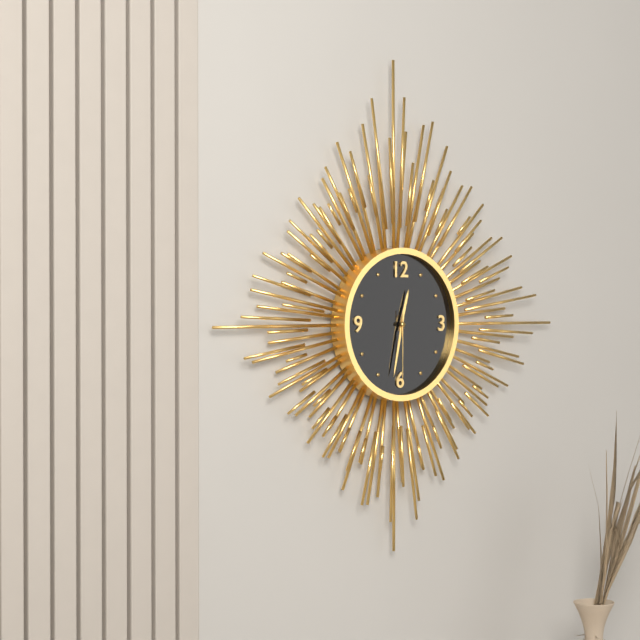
12 h 32 min 30 s
